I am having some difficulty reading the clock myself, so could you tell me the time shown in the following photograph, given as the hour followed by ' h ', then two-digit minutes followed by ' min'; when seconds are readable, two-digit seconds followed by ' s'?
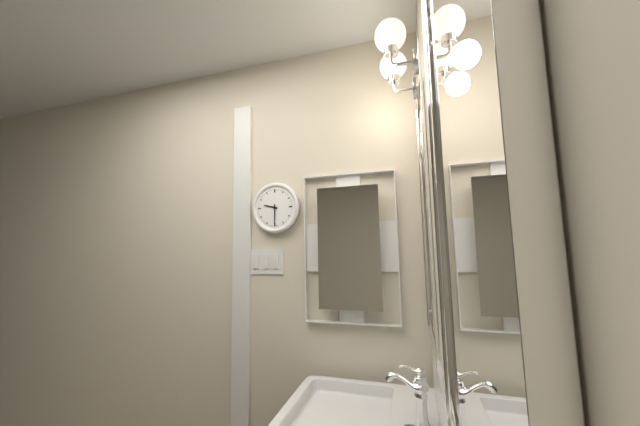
9 h 30 min
